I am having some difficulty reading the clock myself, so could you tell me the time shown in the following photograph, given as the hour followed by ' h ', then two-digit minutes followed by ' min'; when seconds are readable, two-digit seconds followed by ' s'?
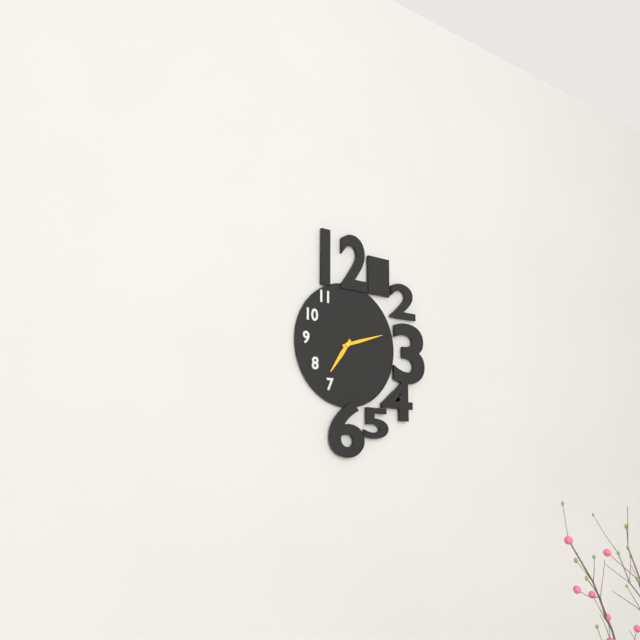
7 h 12 min
